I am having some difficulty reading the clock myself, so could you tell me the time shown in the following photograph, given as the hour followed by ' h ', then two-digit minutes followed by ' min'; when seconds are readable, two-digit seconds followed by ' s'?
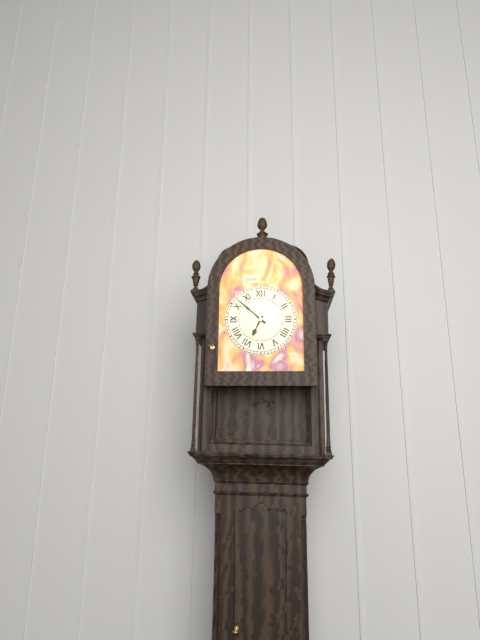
6 h 52 min
